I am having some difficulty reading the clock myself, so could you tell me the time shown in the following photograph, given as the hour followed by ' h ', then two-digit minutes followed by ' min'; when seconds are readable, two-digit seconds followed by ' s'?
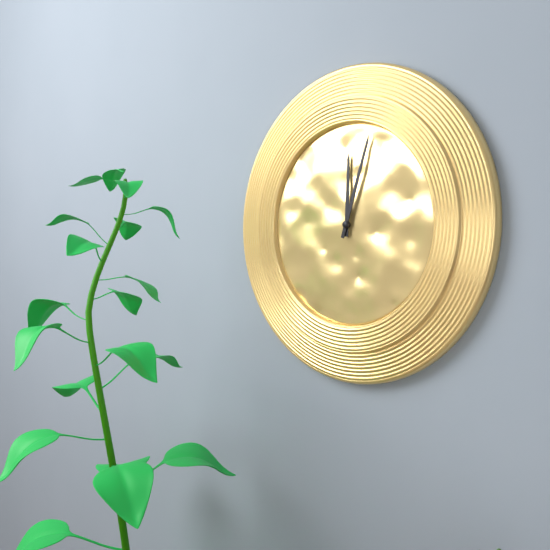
12 h 03 min
